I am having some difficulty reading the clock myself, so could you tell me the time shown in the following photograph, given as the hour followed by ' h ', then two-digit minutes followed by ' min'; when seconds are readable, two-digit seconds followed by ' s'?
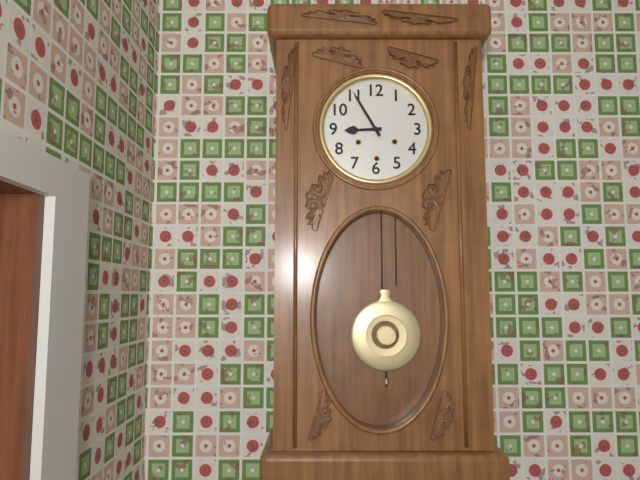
8 h 55 min
